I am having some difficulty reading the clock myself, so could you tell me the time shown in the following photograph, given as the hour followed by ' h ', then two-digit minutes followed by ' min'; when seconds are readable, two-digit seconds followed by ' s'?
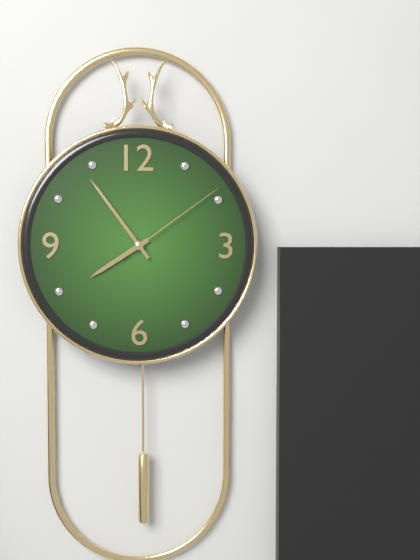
7 h 54 min 09 s
